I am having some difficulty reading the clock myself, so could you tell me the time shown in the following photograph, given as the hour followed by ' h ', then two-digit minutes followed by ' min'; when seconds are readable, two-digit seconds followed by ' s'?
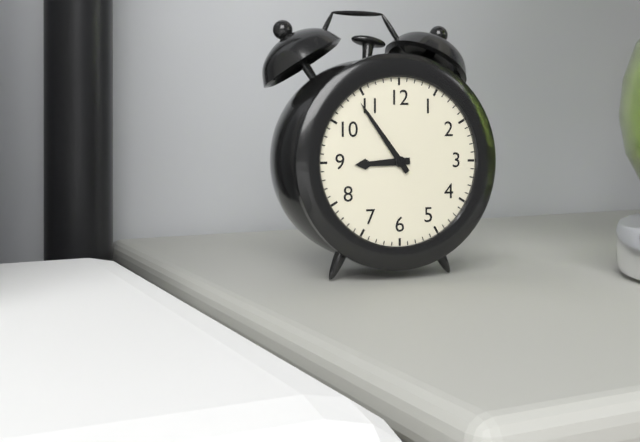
8 h 54 min
